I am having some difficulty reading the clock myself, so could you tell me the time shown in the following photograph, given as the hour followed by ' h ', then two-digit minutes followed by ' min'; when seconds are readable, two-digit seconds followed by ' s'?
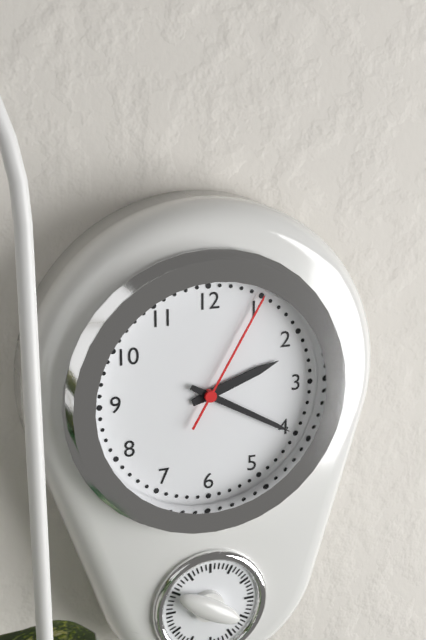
2 h 20 min 05 s
